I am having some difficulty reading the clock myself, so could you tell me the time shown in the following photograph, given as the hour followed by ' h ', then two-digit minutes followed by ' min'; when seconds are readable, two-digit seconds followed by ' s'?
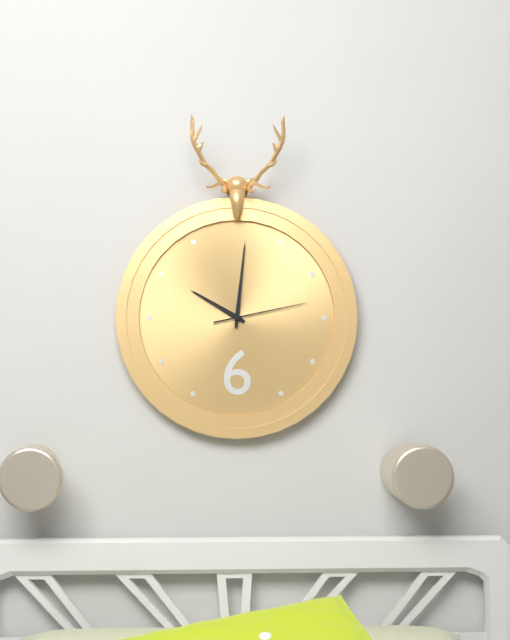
10 h 01 min 13 s
